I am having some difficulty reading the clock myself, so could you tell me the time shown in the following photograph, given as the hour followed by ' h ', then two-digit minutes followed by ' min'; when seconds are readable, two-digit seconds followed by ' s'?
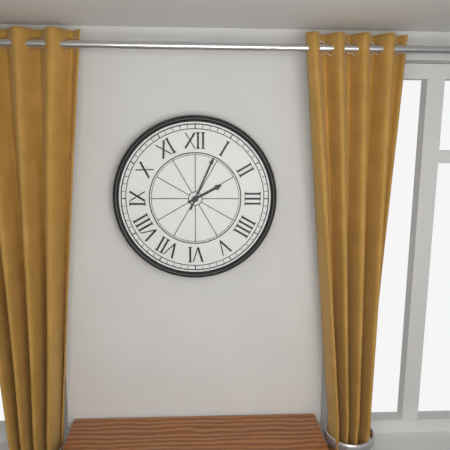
2 h 04 min
